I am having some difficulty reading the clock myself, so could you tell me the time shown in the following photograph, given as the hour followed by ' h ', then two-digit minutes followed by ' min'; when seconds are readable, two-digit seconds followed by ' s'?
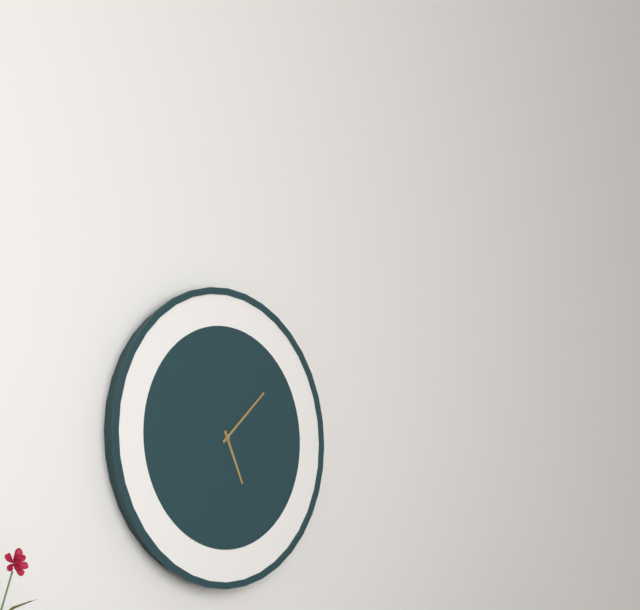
5 h 08 min
